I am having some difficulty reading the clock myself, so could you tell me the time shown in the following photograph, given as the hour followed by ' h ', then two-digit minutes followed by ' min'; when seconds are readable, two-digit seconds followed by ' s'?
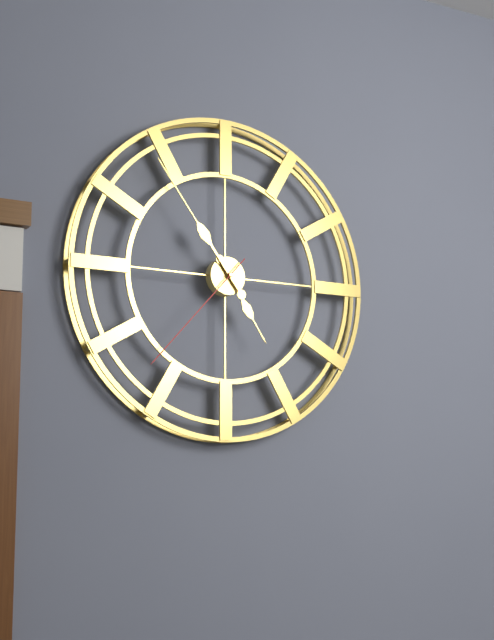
4 h 54 min 37 s
